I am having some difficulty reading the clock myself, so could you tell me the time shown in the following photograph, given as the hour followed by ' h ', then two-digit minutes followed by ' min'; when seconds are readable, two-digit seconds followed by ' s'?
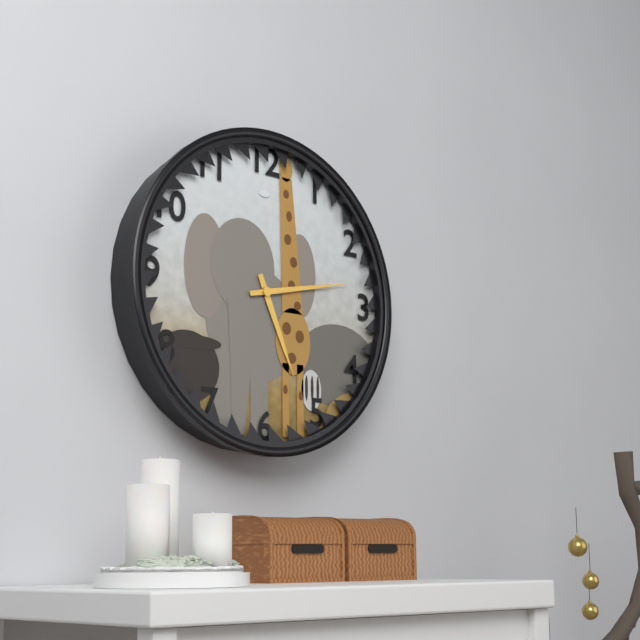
5 h 13 min
